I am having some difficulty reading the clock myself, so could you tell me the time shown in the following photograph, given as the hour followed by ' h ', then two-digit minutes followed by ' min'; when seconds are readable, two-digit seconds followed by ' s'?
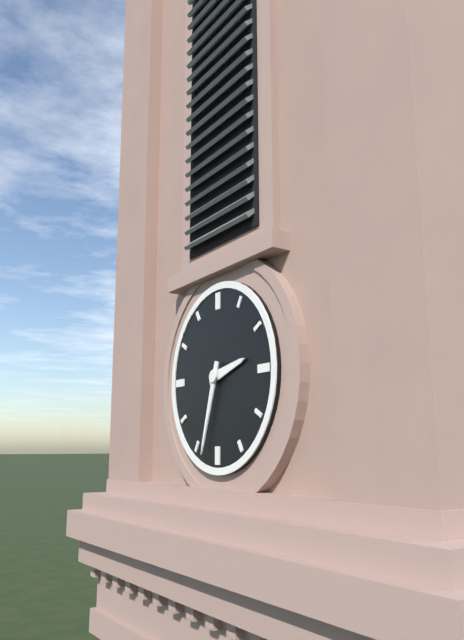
2 h 33 min
